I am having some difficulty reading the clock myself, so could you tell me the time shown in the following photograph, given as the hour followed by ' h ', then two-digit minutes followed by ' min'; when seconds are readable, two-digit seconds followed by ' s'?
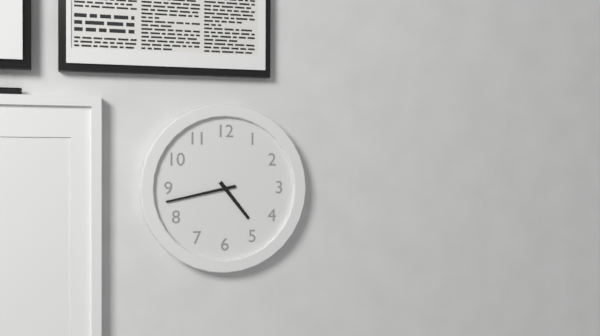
4 h 43 min
